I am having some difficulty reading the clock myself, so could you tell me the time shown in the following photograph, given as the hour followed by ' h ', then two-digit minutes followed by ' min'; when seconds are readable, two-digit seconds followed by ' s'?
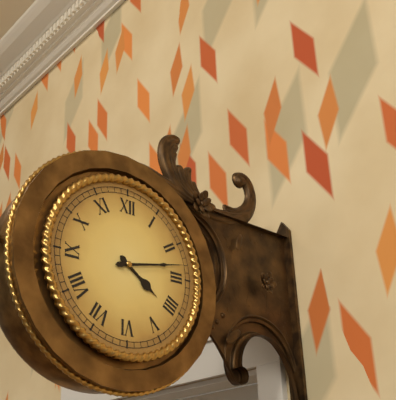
4 h 13 min
